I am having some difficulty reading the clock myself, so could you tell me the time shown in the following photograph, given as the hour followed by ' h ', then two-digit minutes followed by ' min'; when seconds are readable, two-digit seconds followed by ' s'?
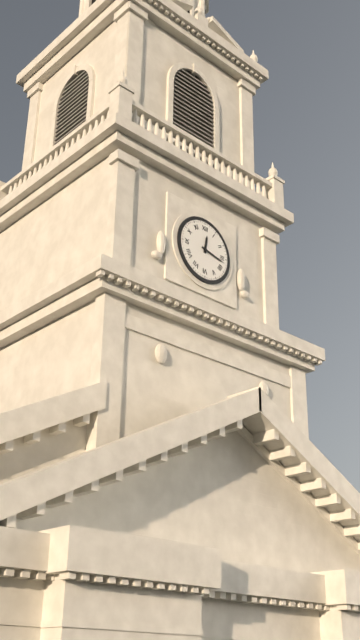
12 h 17 min
